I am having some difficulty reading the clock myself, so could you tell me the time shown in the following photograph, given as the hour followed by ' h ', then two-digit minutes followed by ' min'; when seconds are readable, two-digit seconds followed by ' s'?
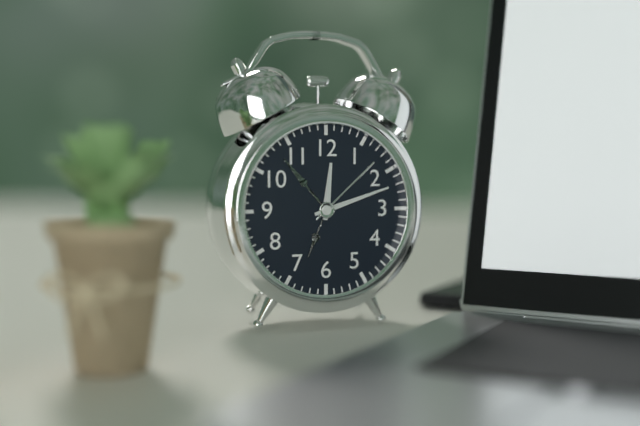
12 h 12 min
